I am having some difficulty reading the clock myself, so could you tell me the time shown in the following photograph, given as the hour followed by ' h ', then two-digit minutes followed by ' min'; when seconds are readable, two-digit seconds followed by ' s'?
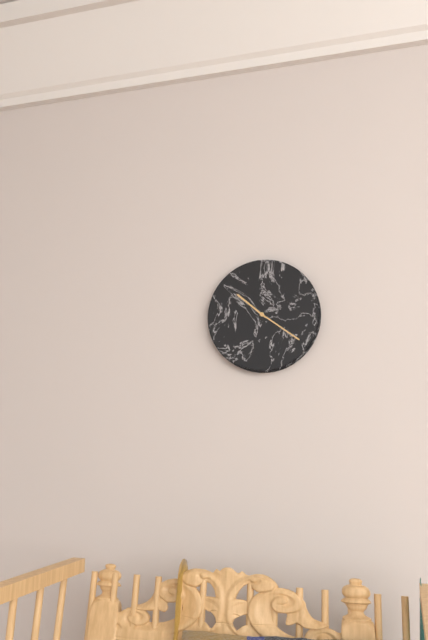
10 h 21 min
